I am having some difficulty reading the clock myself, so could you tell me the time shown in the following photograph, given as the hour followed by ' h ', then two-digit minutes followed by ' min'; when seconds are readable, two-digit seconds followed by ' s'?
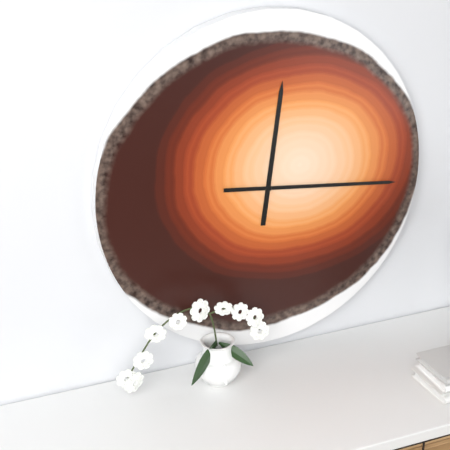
12 h 16 min
